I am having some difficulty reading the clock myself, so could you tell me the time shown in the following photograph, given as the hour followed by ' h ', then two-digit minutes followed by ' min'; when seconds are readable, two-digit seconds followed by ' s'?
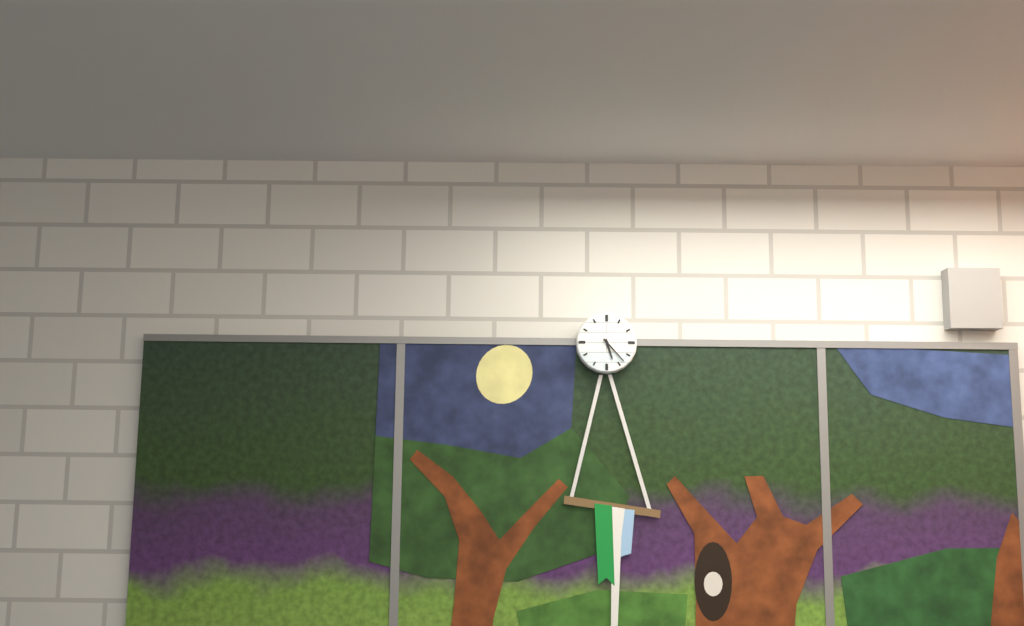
5 h 23 min
